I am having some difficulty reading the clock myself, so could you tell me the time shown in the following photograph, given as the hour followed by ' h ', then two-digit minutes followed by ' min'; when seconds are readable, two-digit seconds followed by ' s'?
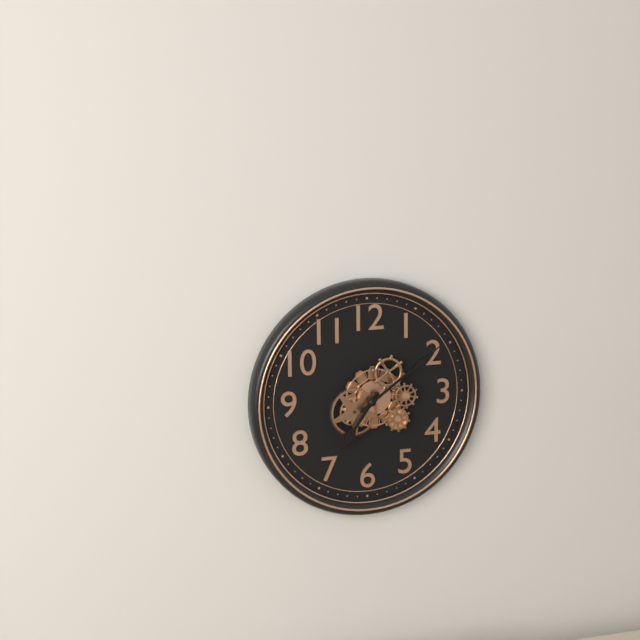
7 h 09 min
